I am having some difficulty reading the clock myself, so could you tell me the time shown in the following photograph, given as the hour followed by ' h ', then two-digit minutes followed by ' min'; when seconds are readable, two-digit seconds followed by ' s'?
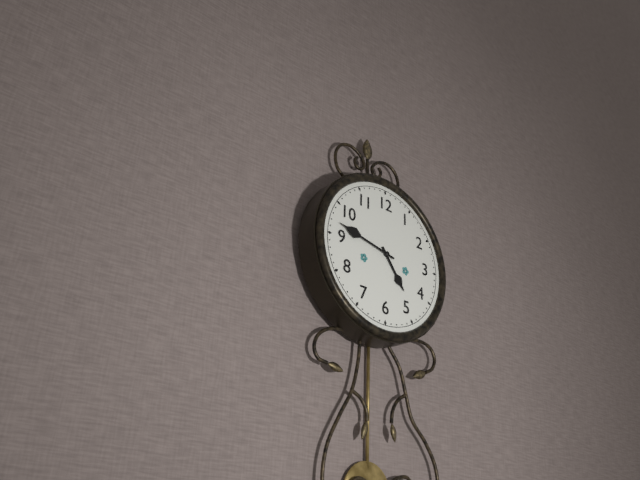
4 h 47 min
